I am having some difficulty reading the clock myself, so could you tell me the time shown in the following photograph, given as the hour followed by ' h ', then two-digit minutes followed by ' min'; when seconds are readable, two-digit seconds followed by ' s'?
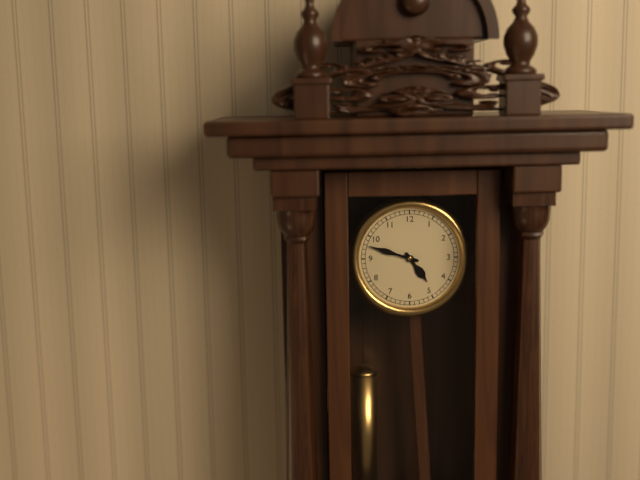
4 h 48 min
